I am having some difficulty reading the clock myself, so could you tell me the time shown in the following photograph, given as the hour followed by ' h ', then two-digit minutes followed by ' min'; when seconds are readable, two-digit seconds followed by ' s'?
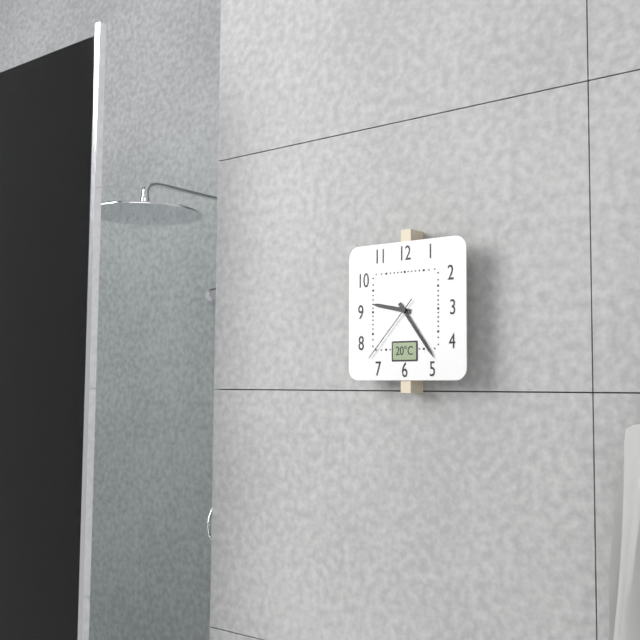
9 h 24 min 37 s
